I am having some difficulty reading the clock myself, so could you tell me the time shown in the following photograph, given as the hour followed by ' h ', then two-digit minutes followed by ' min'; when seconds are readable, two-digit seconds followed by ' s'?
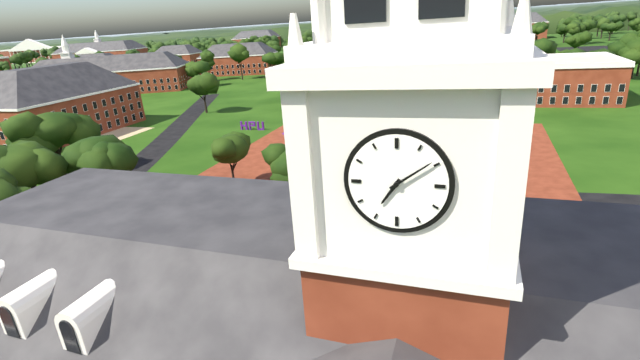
7 h 09 min
